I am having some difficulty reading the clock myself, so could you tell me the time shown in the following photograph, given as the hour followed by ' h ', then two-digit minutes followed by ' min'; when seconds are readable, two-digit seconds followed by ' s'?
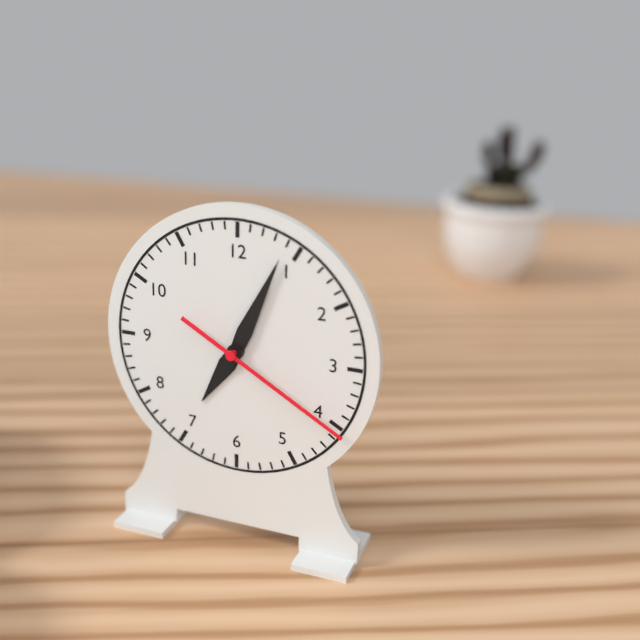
7 h 04 min 20 s
